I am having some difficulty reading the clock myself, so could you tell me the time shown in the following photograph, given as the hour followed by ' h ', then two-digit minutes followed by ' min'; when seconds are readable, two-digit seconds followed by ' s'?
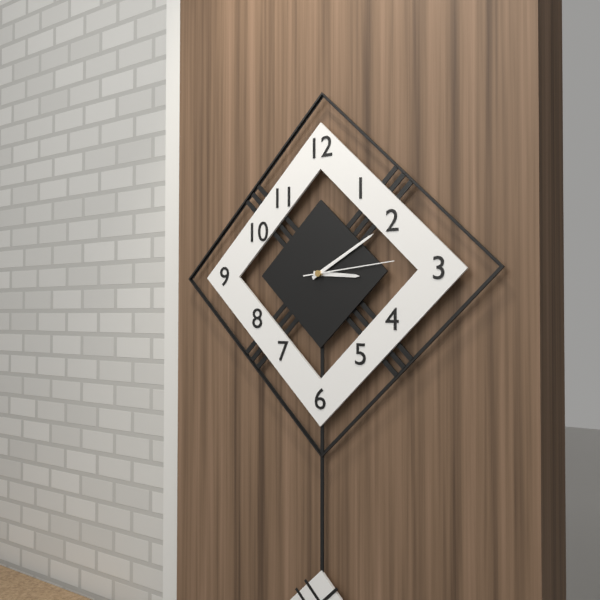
3 h 10 min 14 s
